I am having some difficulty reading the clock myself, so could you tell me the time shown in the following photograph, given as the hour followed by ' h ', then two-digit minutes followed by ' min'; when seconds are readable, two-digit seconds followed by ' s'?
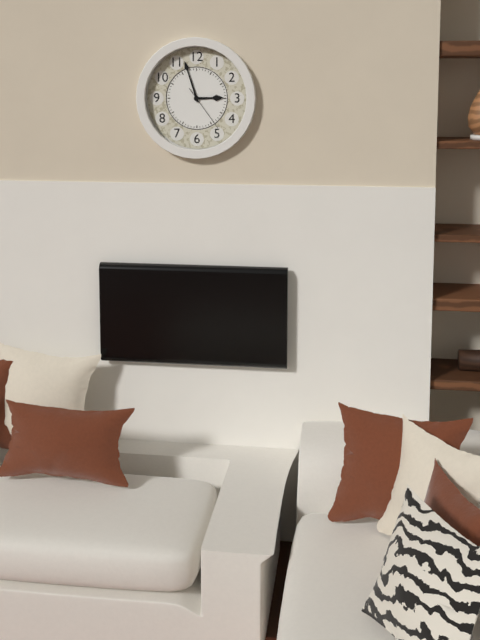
2 h 57 min
